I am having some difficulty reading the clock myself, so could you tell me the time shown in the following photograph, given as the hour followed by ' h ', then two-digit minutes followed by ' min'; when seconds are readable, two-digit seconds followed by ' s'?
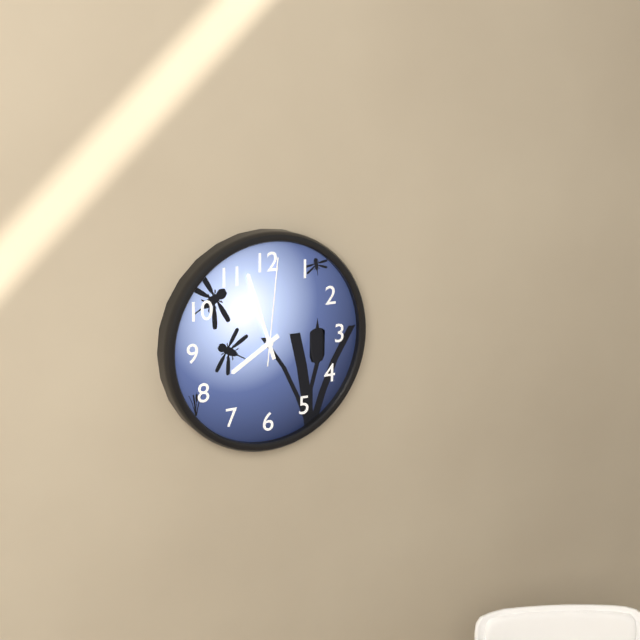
7 h 57 min 01 s
